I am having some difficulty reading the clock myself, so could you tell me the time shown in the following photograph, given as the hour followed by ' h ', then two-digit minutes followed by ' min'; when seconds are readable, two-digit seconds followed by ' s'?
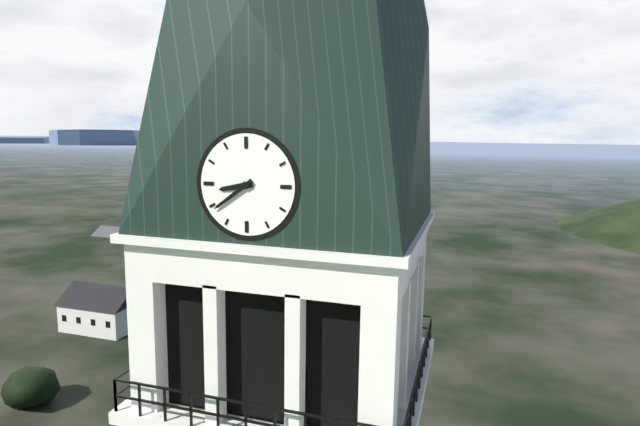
8 h 39 min
